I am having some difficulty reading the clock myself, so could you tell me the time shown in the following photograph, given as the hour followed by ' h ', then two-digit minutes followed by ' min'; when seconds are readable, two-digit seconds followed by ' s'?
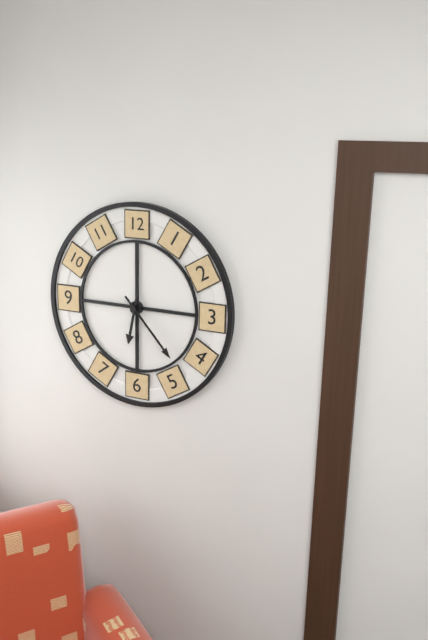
6 h 23 min
